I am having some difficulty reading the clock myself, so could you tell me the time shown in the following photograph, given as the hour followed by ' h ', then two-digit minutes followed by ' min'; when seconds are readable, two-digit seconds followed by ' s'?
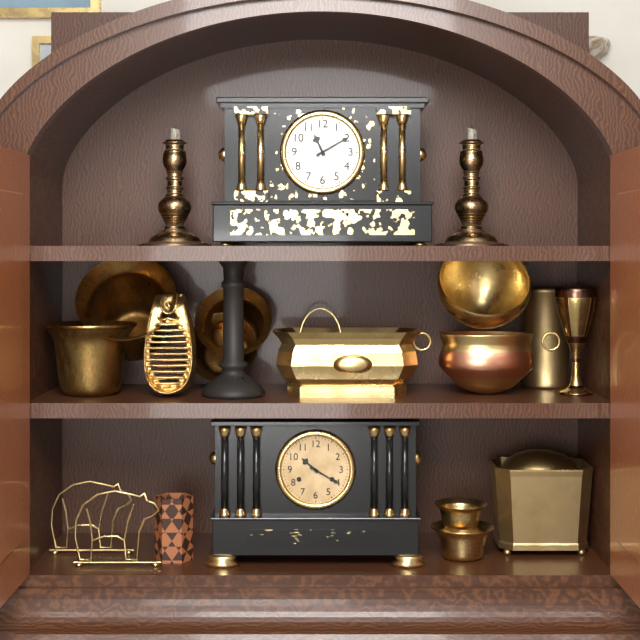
11 h 10 min
